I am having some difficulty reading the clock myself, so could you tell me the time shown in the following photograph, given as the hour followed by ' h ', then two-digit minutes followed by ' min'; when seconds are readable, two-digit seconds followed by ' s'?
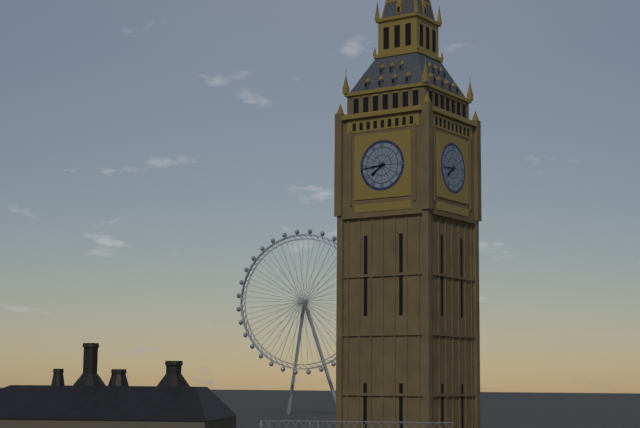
7 h 44 min
